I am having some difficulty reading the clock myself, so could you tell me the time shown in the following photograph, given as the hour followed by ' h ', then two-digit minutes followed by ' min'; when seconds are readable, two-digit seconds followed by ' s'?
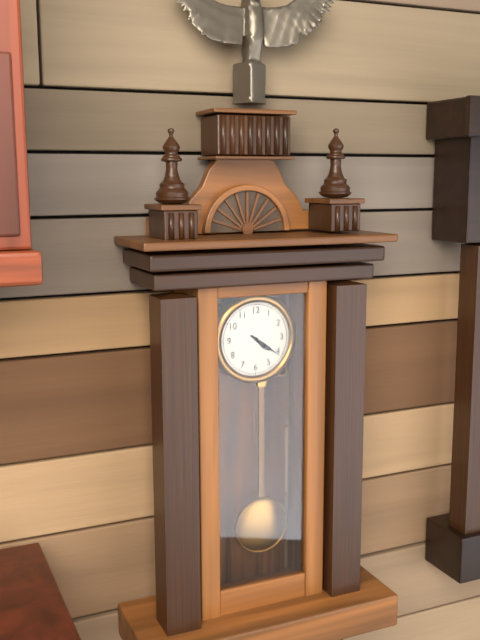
4 h 21 min
